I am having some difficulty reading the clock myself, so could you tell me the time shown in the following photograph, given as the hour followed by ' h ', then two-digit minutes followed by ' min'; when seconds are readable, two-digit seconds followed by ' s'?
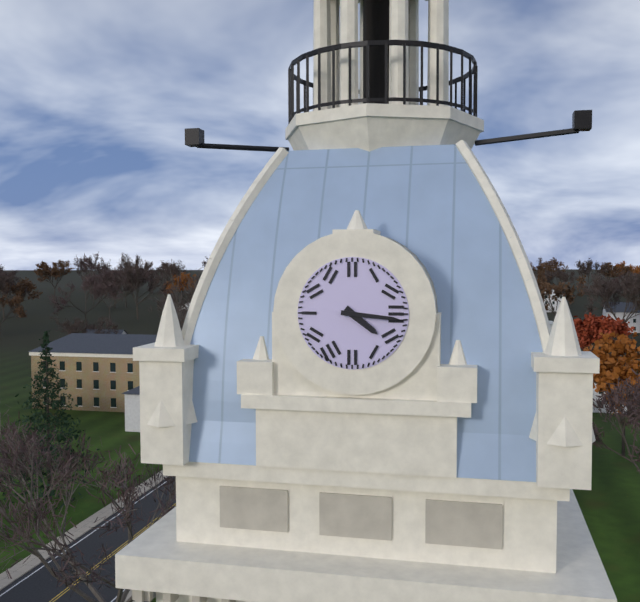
4 h 16 min
